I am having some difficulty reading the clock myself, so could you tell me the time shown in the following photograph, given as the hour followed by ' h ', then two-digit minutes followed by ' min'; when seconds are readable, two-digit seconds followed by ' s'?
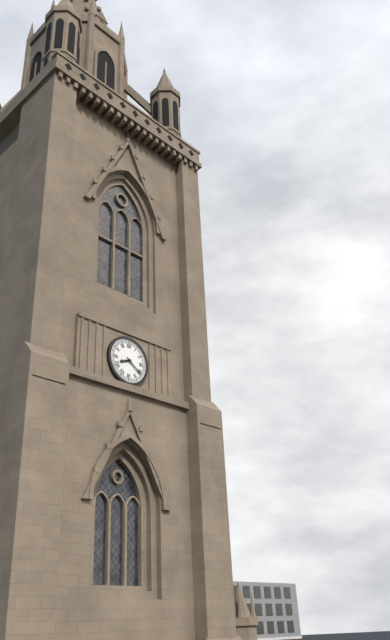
8 h 21 min
